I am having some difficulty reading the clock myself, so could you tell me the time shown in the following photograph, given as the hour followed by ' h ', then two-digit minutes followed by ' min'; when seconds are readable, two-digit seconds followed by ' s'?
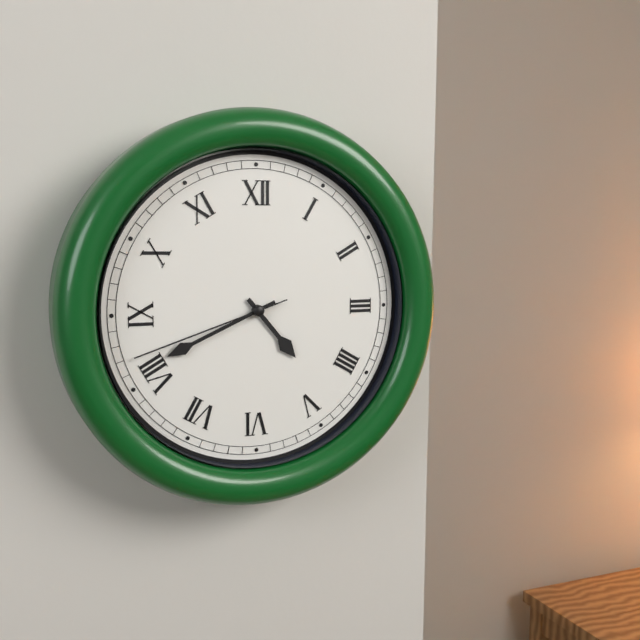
4 h 41 min 42 s
